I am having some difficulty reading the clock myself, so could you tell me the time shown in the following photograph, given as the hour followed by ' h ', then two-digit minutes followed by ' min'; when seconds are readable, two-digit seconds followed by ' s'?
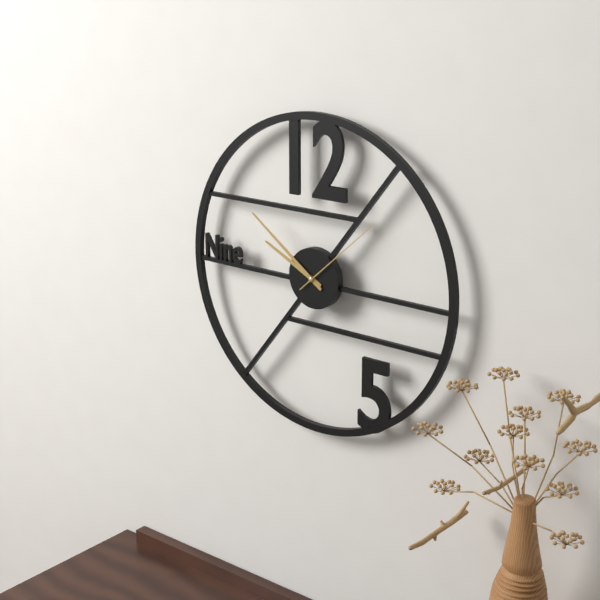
9 h 51 min 08 s
